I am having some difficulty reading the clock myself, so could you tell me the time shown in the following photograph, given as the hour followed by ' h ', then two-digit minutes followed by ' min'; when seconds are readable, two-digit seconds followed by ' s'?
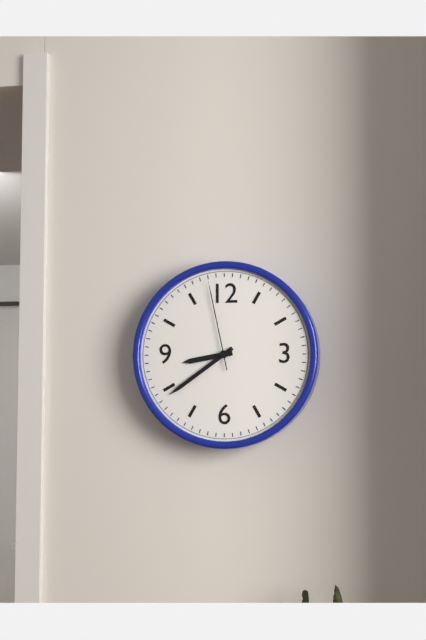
8 h 39 min 58 s
